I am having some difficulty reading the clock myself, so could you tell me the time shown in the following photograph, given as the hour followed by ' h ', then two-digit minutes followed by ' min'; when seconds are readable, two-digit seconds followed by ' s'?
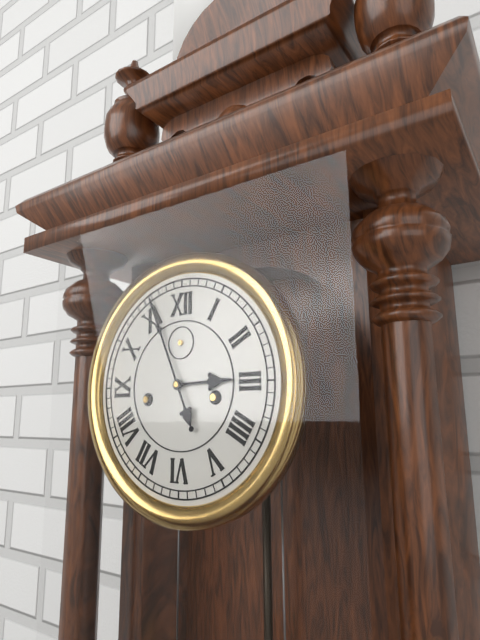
2 h 56 min
